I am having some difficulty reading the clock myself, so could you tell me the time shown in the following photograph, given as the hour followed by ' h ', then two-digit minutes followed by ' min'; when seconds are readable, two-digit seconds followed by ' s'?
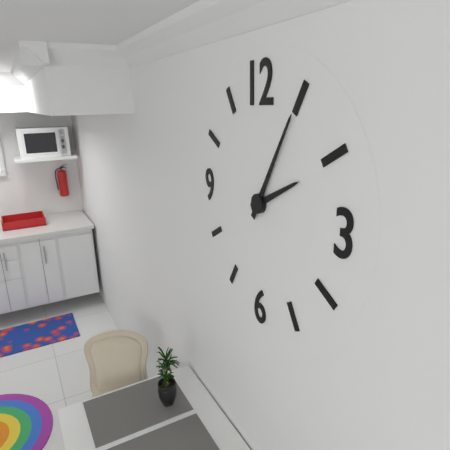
2 h 05 min
